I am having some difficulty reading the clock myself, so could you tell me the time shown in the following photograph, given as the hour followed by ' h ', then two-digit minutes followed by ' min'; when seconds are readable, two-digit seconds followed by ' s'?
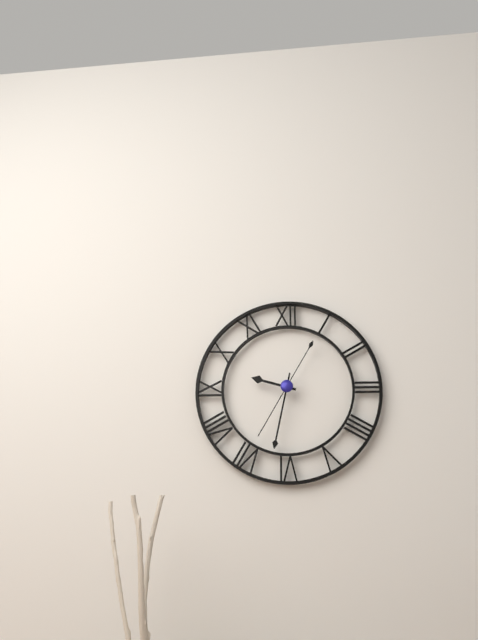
9 h 32 min 35 s
